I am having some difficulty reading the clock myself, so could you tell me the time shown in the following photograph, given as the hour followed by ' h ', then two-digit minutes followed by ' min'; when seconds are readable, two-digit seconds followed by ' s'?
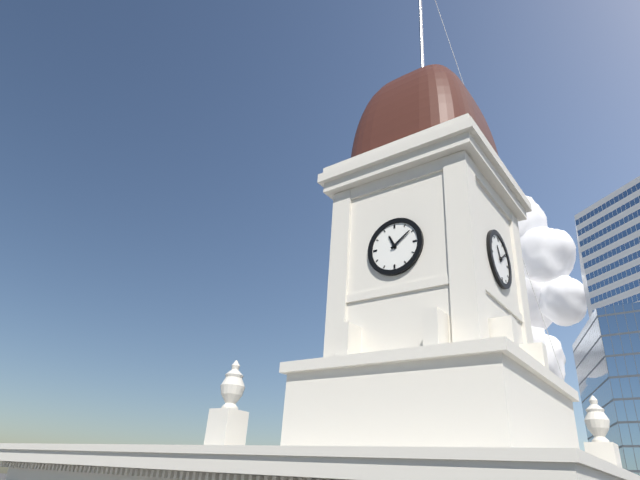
11 h 09 min
